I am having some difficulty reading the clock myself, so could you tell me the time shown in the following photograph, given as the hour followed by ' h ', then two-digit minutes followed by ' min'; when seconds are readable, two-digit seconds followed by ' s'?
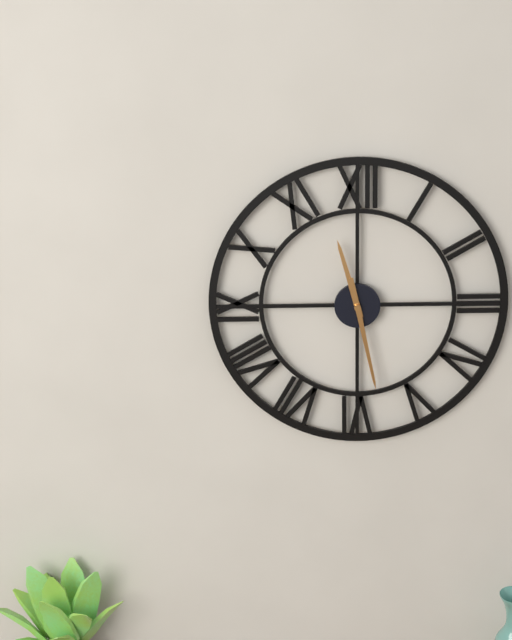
11 h 28 min
